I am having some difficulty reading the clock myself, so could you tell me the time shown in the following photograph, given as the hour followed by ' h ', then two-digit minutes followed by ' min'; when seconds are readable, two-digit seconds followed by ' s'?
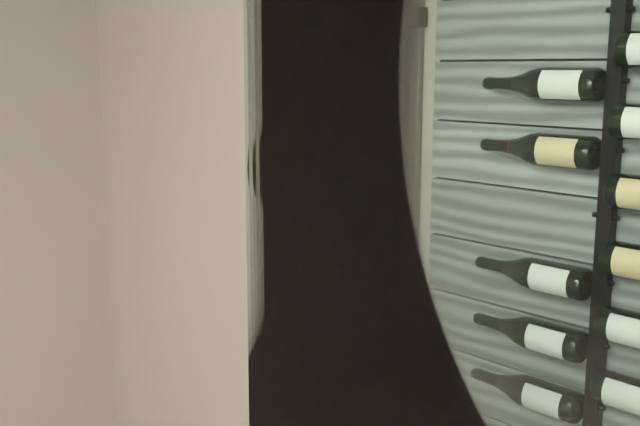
6 h 05 min
